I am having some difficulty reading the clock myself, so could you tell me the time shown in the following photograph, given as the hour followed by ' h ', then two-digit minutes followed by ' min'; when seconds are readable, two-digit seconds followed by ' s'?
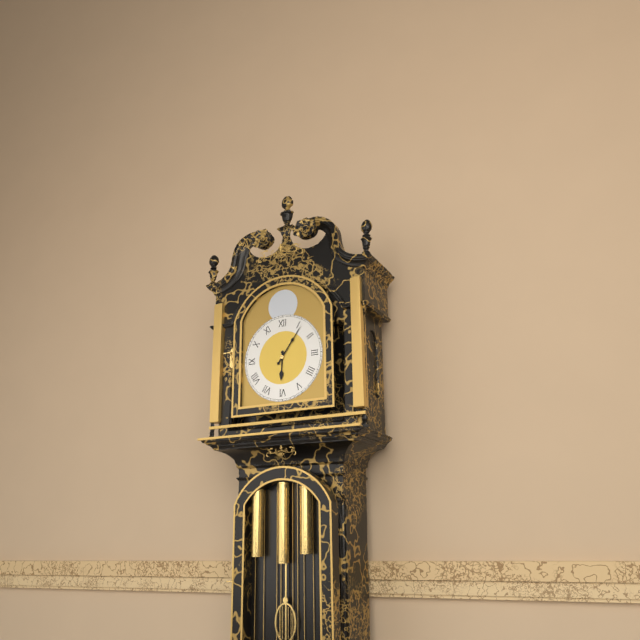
6 h 06 min
